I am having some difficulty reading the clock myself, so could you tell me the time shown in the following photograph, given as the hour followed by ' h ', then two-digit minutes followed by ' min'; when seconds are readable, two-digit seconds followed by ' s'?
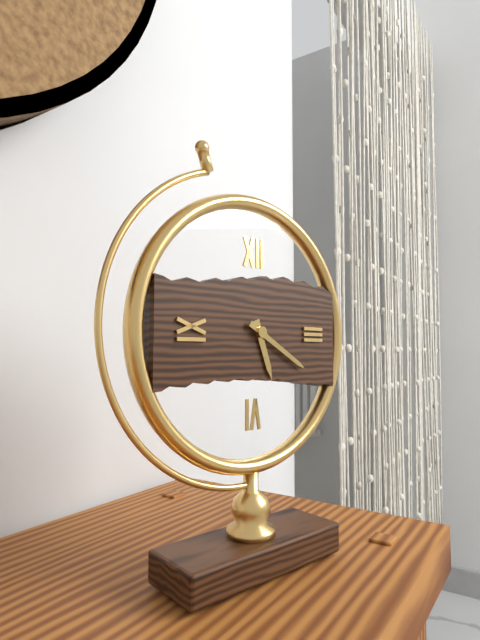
5 h 20 min
